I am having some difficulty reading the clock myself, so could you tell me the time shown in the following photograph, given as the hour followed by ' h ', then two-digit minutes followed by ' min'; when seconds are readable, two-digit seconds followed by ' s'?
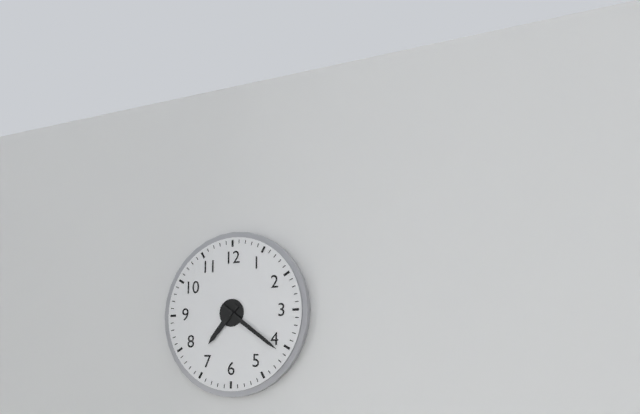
7 h 21 min
